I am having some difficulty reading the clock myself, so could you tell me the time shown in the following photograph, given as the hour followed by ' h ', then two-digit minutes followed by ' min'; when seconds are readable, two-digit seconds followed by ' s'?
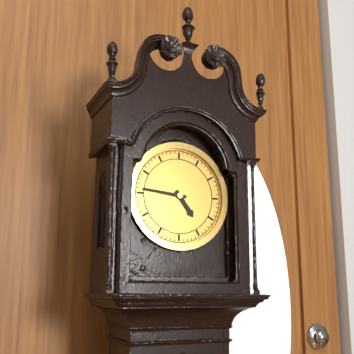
4 h 46 min
